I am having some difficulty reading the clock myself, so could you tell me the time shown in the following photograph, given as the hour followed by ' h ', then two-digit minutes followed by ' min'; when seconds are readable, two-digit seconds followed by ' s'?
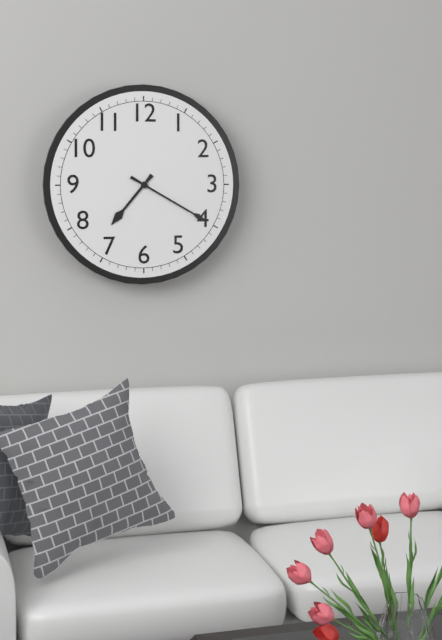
7 h 20 min
